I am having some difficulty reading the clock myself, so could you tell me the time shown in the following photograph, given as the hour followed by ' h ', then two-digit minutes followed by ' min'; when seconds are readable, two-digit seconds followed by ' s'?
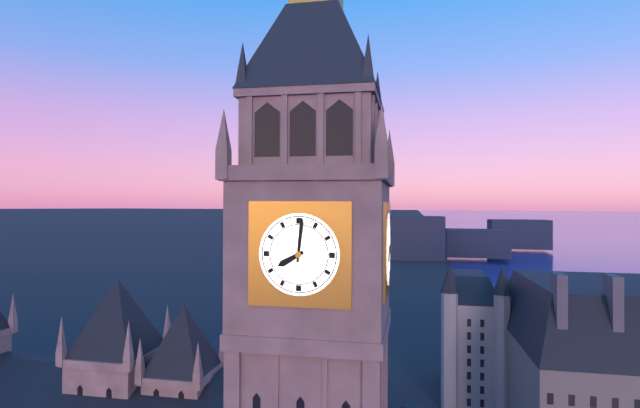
8 h 01 min
